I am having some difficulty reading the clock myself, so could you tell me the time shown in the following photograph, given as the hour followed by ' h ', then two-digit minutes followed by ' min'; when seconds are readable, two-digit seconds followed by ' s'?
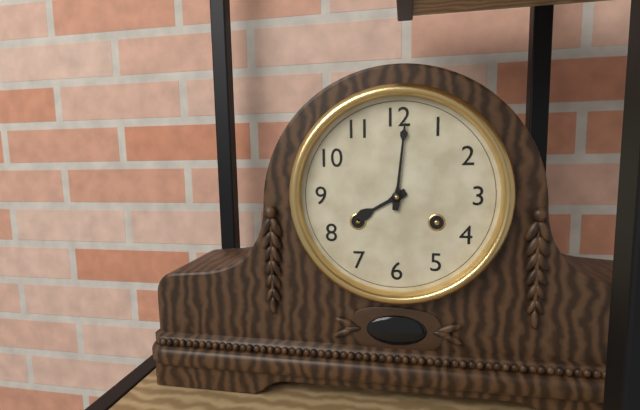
8 h 01 min
